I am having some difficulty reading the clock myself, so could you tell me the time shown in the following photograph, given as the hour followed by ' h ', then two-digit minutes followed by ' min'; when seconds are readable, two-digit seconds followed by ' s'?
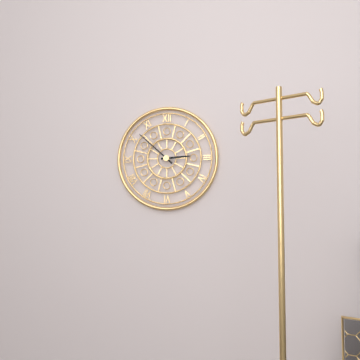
2 h 52 min
